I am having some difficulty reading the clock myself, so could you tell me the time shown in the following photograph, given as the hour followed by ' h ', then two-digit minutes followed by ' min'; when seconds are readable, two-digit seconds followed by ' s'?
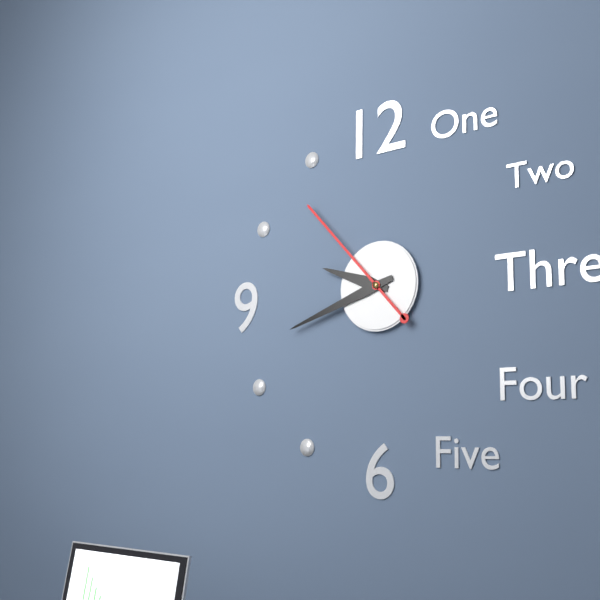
9 h 42 min 53 s
